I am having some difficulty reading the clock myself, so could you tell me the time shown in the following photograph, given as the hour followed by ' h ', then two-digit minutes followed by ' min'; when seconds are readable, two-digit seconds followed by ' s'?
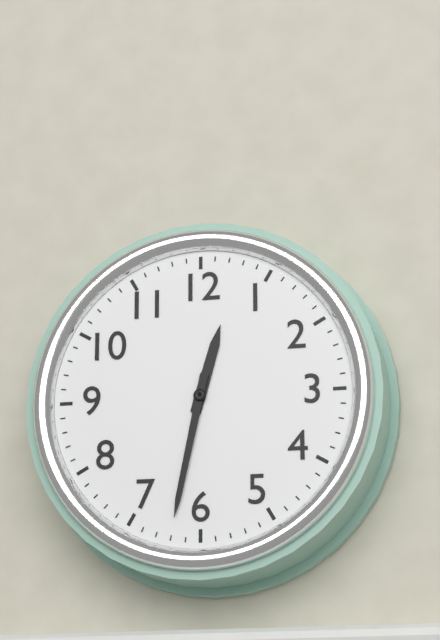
12 h 32 min
